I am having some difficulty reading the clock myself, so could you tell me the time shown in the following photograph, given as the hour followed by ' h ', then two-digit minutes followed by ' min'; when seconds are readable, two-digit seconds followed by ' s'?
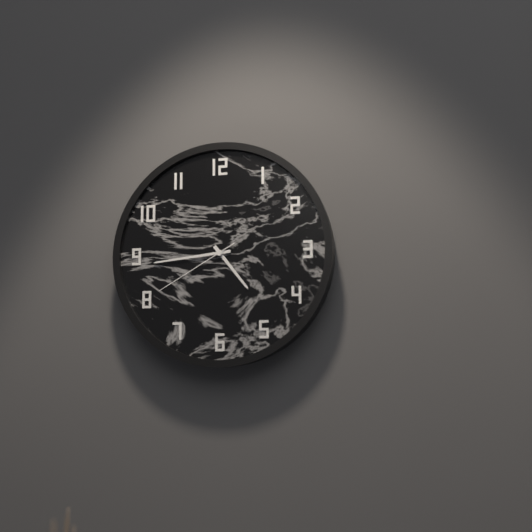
4 h 44 min 40 s
